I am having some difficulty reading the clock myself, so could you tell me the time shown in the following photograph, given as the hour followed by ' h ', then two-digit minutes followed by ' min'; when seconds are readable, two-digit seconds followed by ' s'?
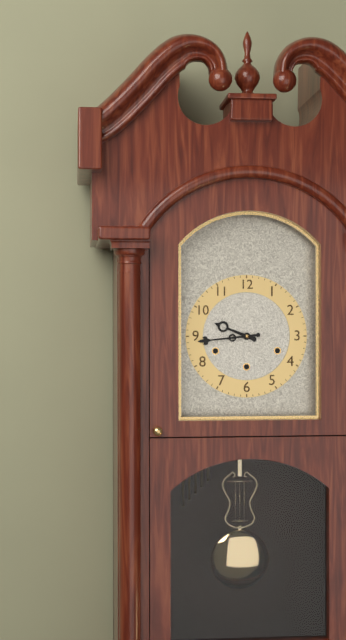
9 h 44 min
